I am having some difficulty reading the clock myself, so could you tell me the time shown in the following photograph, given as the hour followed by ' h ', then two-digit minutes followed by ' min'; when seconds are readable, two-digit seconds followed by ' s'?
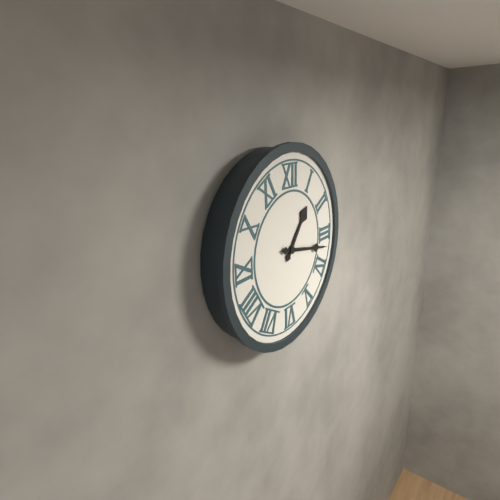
1 h 17 min
